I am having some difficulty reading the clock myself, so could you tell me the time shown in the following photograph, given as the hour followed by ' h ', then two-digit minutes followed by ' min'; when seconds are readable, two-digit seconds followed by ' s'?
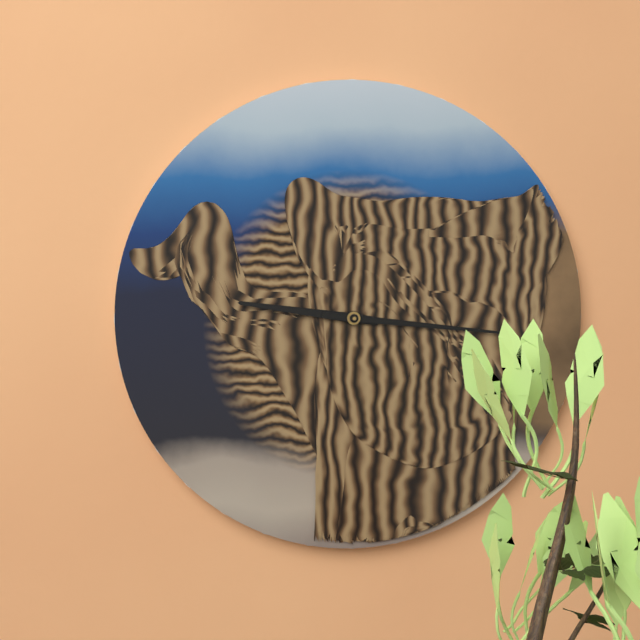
9 h 16 min
